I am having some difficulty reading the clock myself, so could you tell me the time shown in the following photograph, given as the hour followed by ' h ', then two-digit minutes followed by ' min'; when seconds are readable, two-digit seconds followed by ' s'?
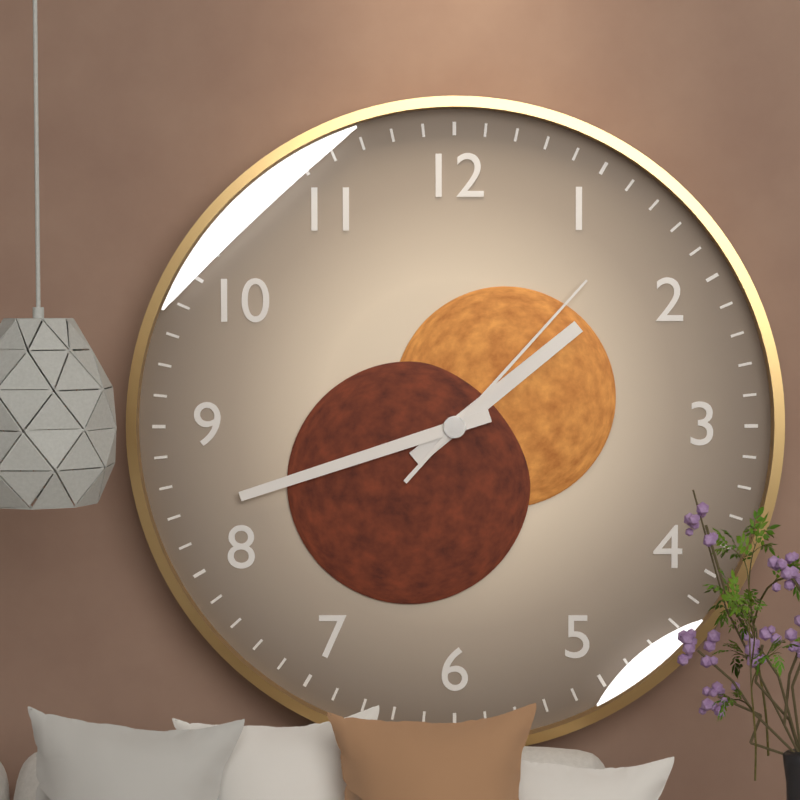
1 h 42 min 07 s
